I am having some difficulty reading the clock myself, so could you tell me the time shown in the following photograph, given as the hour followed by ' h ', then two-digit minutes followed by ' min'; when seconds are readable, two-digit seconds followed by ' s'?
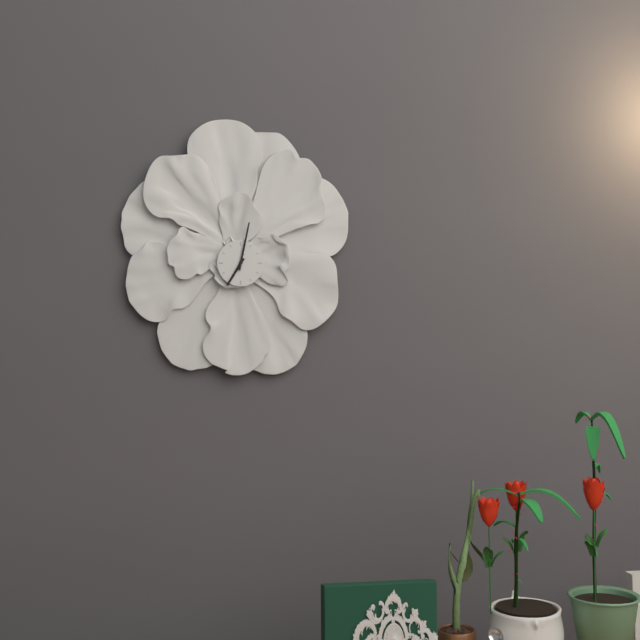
7 h 02 min
